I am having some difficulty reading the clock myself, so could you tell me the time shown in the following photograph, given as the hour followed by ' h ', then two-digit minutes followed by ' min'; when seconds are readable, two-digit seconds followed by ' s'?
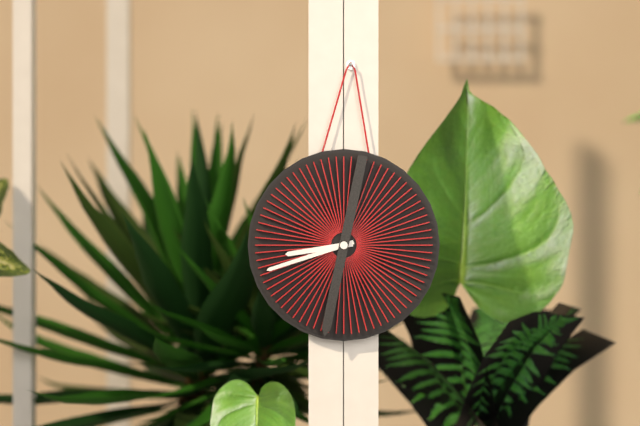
8 h 42 min 32 s
